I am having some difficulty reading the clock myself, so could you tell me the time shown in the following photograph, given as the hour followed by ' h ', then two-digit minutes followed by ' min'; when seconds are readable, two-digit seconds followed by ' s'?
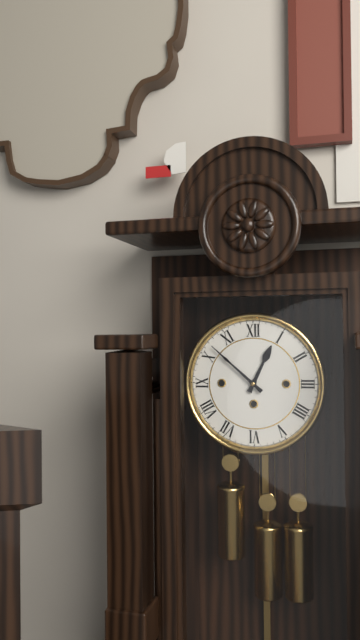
12 h 52 min
